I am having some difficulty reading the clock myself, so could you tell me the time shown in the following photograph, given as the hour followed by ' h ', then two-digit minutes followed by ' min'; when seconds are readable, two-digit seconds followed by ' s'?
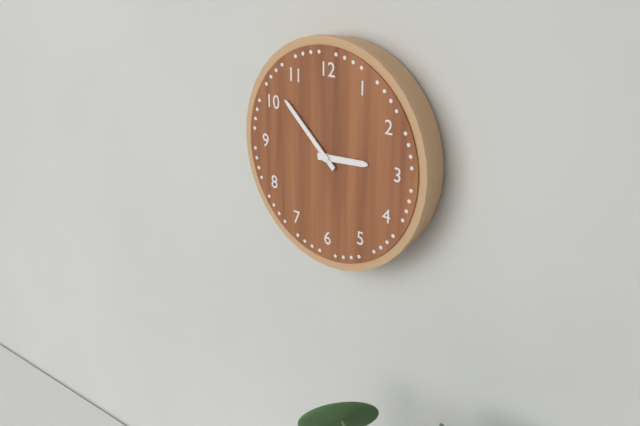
2 h 52 min
